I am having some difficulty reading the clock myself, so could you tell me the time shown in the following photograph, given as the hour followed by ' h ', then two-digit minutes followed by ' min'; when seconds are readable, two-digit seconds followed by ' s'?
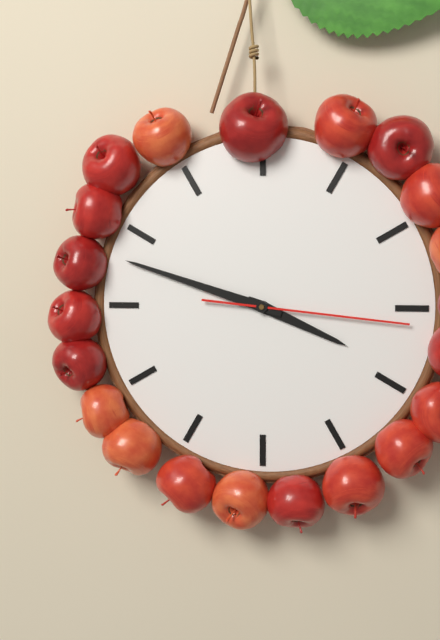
3 h 48 min 16 s
